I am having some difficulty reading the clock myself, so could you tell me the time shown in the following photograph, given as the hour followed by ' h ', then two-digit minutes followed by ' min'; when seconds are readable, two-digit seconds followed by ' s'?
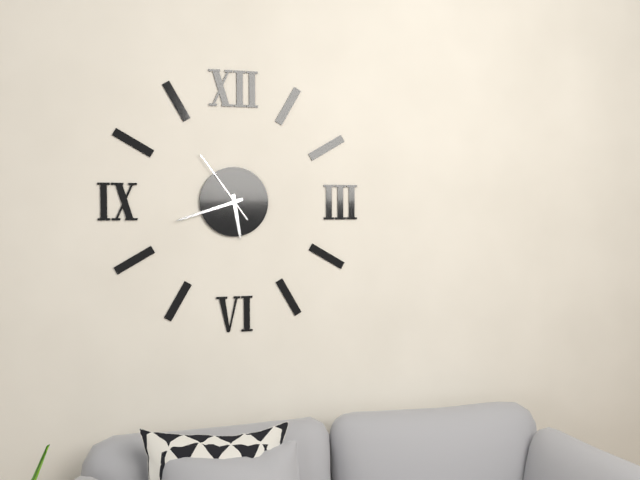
5 h 42 min 54 s
